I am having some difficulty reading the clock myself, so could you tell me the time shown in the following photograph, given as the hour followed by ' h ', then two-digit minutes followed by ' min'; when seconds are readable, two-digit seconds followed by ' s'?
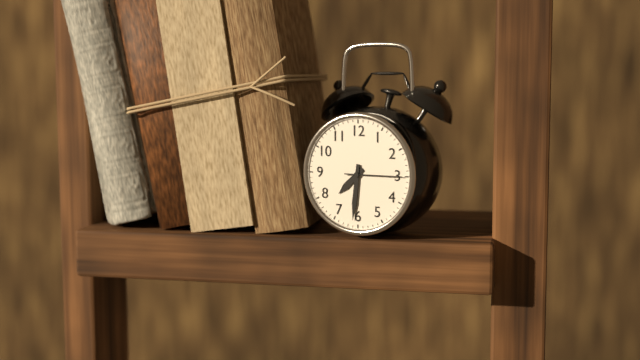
7 h 31 min 15 s
